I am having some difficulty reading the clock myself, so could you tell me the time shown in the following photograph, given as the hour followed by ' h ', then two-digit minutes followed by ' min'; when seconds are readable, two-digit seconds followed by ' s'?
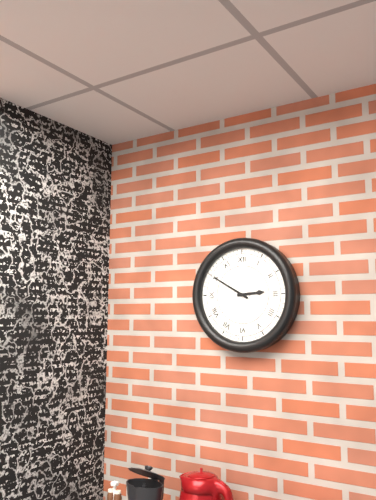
2 h 50 min
